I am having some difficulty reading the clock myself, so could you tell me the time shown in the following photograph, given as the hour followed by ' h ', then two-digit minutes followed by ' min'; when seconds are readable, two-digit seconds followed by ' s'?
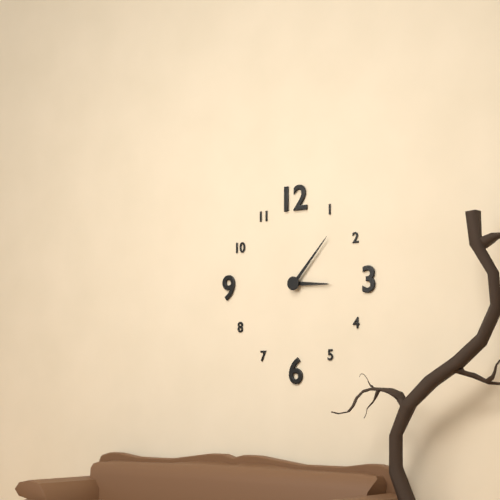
3 h 07 min
